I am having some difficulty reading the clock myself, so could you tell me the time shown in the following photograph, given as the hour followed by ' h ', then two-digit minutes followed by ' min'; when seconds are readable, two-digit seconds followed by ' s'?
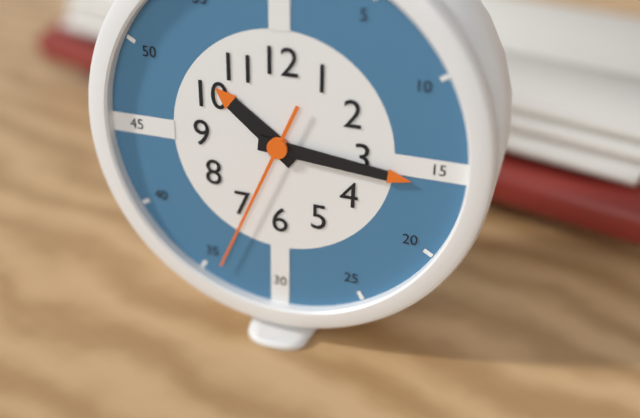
10 h 16 min 34 s
